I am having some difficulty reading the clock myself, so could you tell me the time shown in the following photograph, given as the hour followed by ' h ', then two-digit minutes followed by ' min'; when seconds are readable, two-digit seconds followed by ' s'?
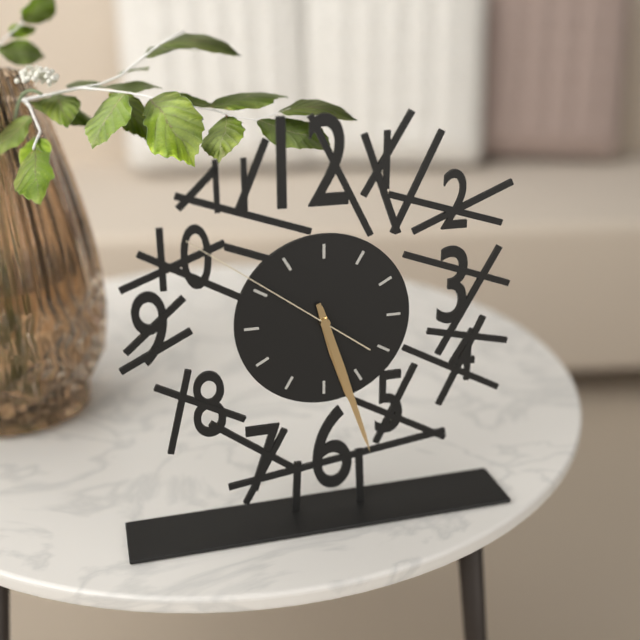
5 h 27 min 51 s
